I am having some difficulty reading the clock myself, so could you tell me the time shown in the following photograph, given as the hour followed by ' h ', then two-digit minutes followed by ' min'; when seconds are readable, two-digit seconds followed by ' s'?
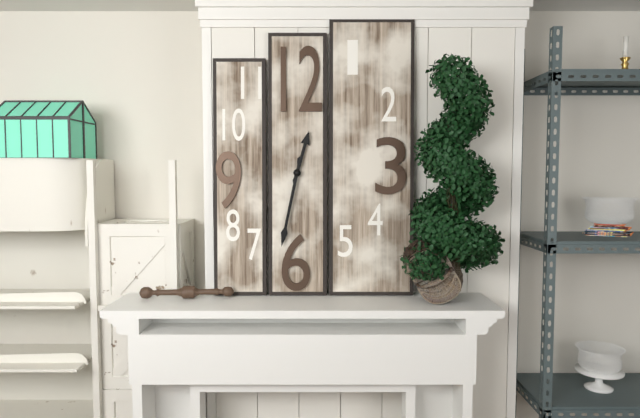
12 h 32 min
